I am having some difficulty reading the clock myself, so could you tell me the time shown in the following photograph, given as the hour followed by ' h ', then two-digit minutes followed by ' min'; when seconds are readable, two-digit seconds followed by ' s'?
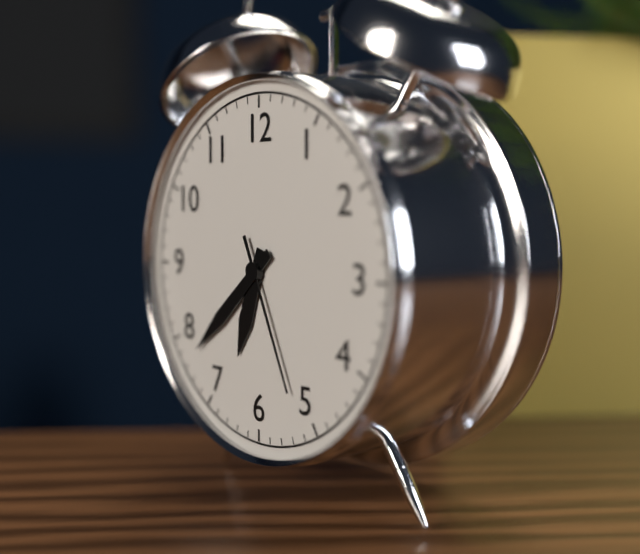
6 h 38 min 26 s
